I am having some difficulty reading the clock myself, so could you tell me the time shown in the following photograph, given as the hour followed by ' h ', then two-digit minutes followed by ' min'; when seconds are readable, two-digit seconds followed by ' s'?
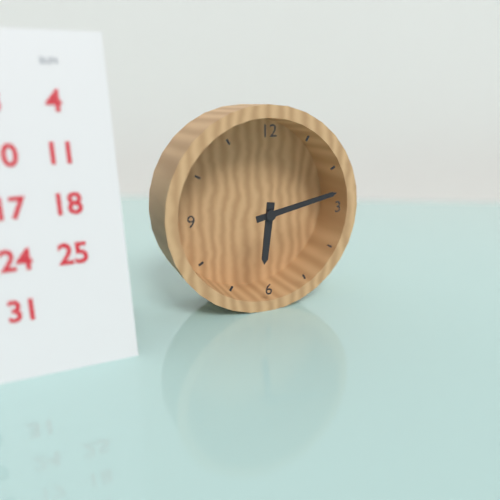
6 h 13 min
